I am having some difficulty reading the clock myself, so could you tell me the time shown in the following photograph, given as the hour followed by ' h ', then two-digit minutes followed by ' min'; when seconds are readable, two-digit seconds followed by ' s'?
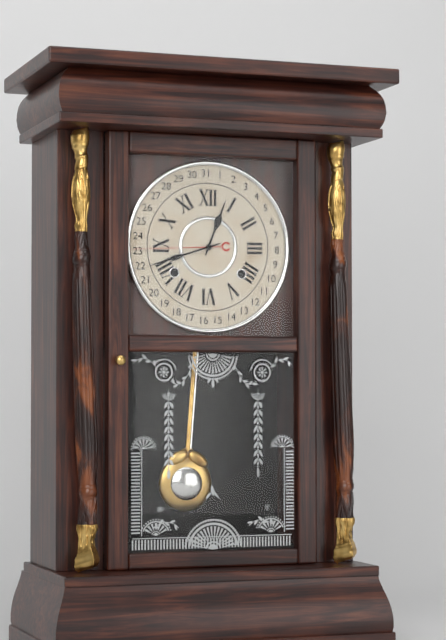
12 h 42 min
